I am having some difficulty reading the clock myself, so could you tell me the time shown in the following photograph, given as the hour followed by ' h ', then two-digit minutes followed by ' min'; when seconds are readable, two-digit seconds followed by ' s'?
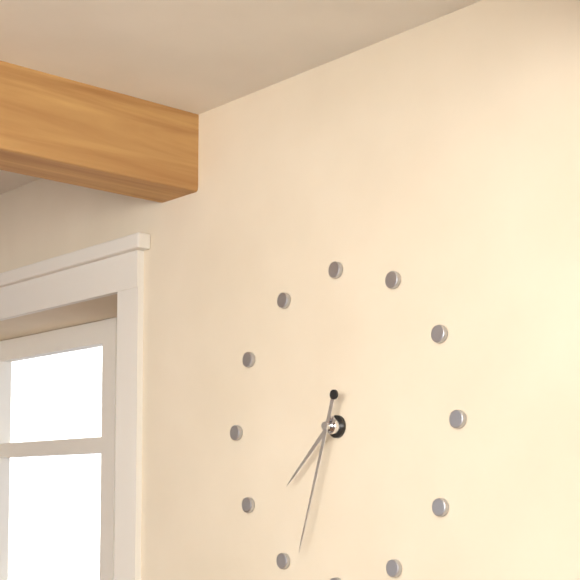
7 h 33 min
